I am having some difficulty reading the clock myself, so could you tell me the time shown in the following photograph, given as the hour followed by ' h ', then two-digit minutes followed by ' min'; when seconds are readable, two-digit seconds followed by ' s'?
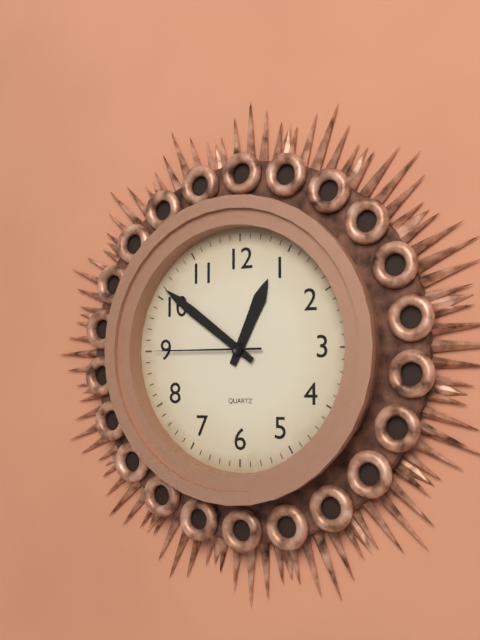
12 h 51 min 45 s
